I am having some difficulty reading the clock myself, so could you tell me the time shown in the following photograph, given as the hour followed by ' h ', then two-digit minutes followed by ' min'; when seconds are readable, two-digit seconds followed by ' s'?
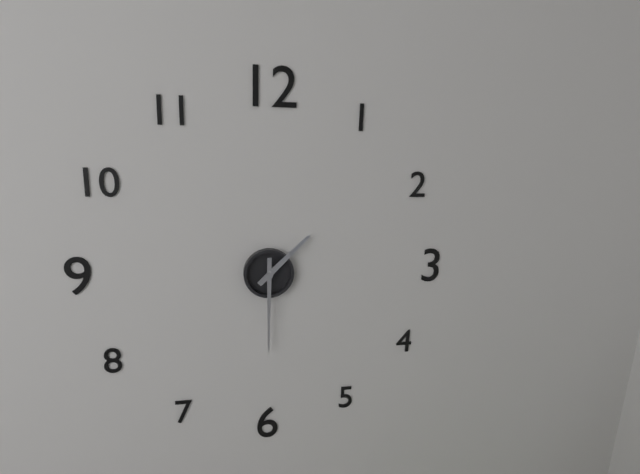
1 h 30 min
